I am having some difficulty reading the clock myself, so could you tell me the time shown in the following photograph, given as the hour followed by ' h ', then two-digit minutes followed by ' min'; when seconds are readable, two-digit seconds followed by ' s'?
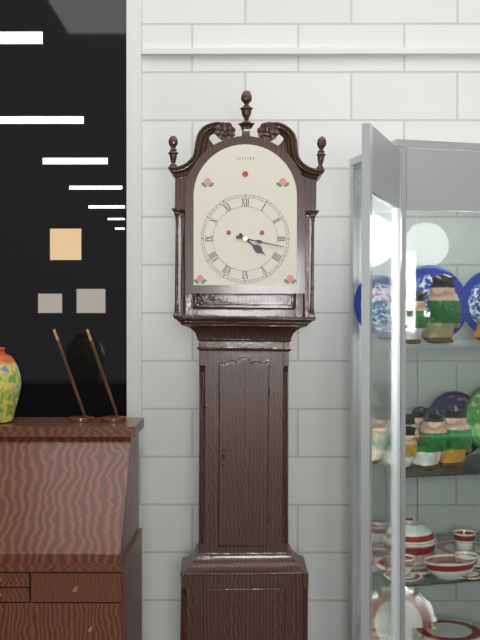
4 h 17 min
